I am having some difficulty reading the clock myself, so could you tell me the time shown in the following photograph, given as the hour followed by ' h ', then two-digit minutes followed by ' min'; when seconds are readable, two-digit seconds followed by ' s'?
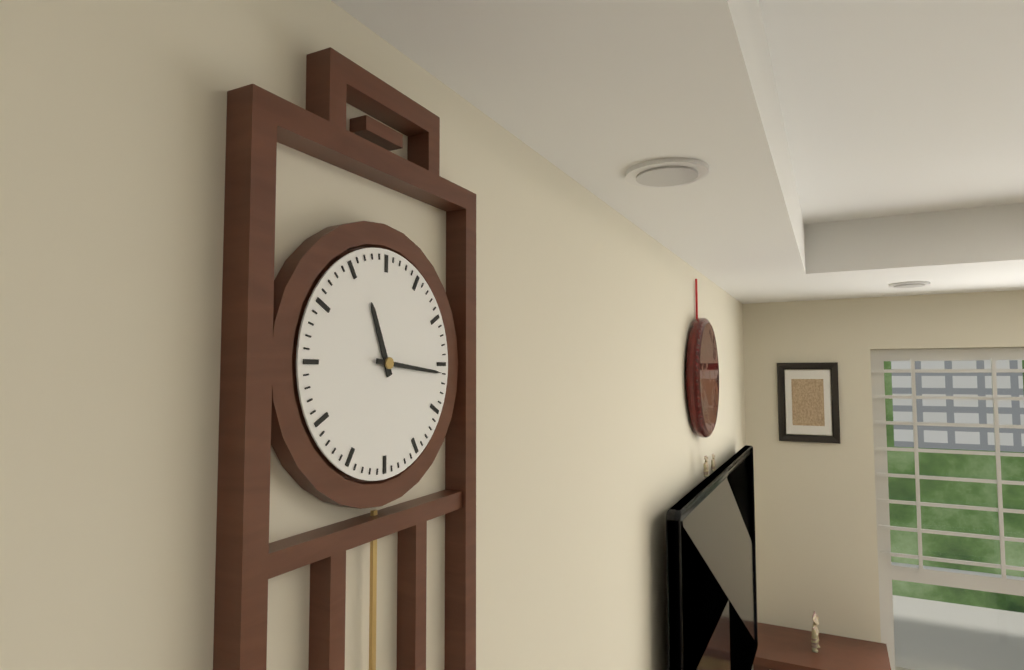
11 h 16 min
